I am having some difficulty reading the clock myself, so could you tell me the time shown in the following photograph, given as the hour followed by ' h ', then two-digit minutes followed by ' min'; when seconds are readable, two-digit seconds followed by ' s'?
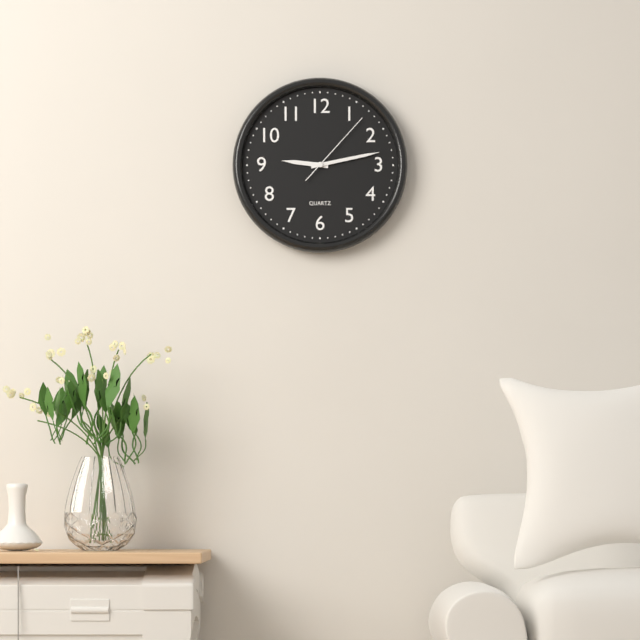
9 h 13 min 07 s
